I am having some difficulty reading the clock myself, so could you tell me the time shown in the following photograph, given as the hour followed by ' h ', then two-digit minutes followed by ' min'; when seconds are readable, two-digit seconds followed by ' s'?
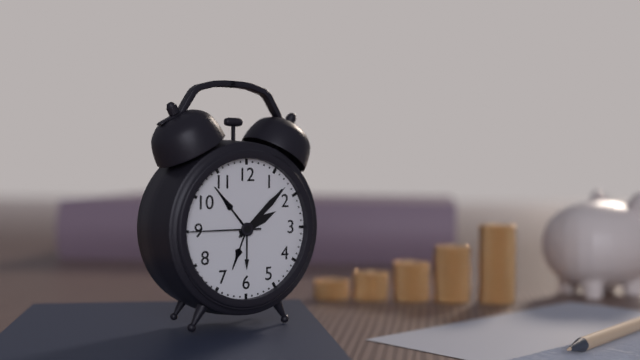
2 h 08 min 45 s
